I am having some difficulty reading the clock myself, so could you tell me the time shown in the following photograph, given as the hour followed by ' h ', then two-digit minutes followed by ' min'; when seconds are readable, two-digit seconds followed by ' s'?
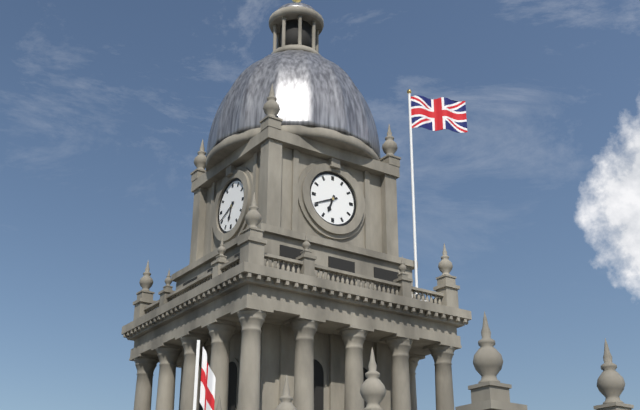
6 h 41 min
